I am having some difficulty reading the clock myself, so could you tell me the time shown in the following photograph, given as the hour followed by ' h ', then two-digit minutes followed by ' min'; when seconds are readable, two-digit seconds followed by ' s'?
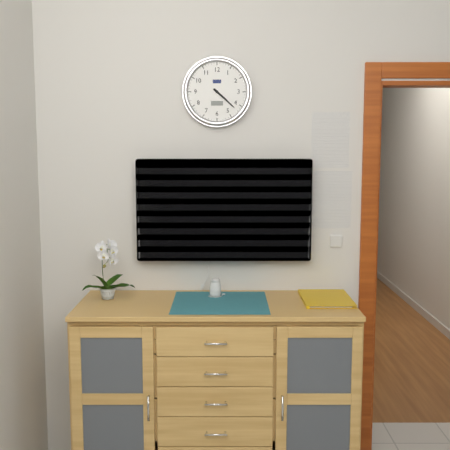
4 h 22 min
